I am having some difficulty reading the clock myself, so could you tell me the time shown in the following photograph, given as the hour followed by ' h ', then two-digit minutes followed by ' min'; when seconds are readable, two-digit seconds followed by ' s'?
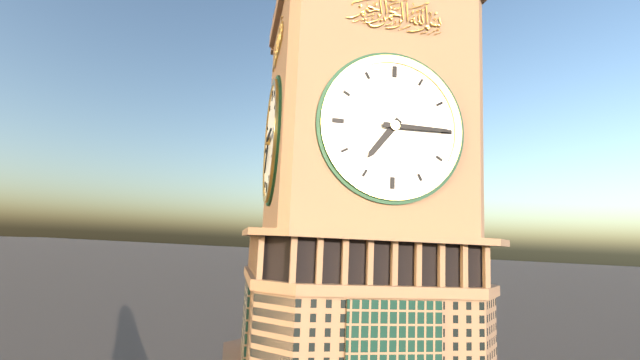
7 h 15 min
